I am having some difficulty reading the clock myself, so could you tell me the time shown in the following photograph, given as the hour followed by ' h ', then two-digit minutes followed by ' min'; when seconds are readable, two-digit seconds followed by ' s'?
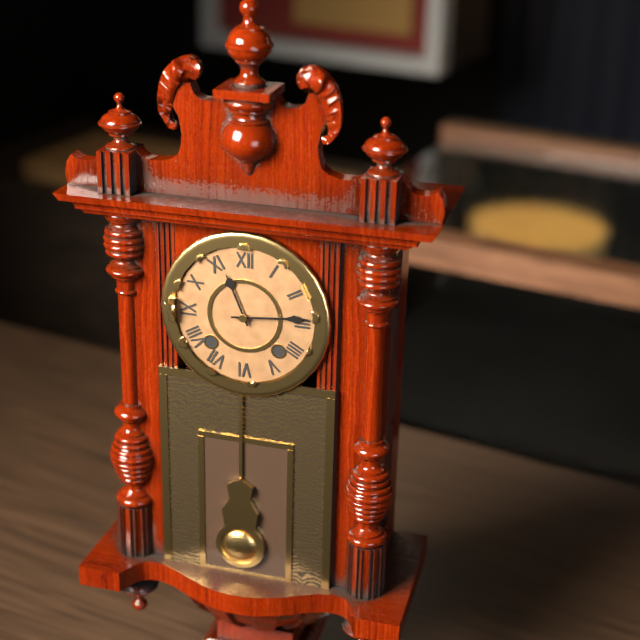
11 h 14 min
